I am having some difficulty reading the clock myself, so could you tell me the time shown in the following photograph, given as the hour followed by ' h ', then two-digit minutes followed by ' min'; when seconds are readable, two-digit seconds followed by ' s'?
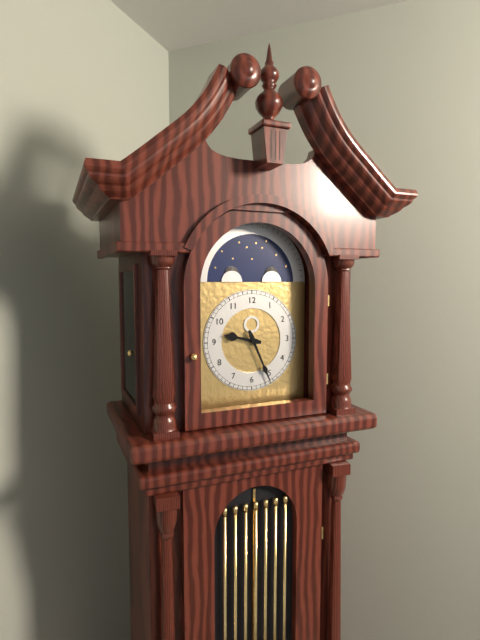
9 h 26 min
